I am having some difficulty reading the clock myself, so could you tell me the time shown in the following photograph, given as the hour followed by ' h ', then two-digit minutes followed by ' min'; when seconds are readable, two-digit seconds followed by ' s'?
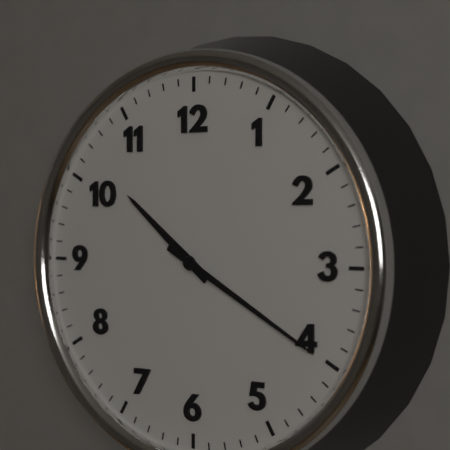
10 h 20 min
